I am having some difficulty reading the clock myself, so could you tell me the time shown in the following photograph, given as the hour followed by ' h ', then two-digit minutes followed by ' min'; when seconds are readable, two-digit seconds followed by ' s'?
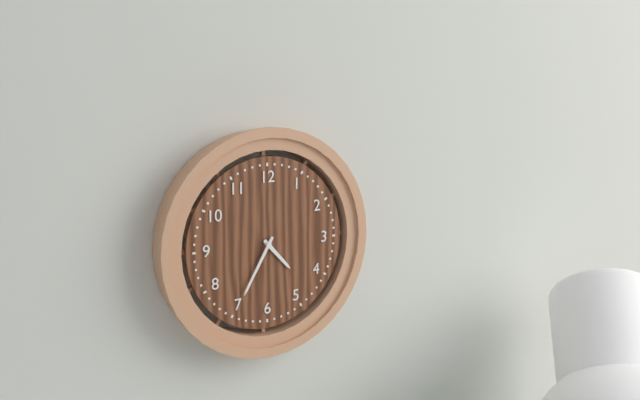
4 h 35 min
